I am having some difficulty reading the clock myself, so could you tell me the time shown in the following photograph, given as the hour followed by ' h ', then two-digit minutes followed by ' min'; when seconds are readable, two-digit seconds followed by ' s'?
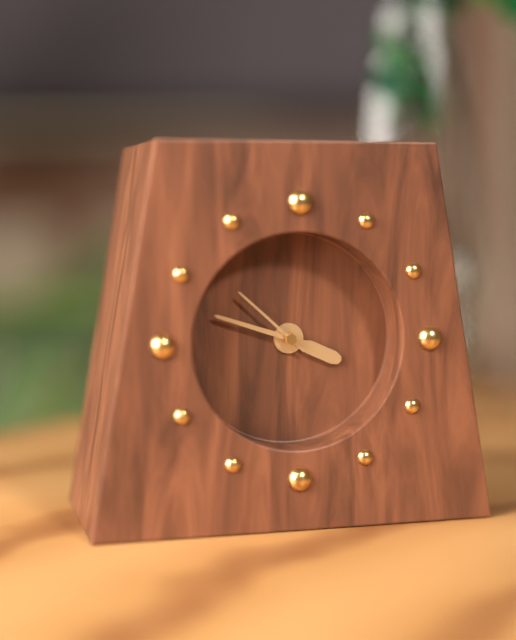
3 h 48 min 52 s
